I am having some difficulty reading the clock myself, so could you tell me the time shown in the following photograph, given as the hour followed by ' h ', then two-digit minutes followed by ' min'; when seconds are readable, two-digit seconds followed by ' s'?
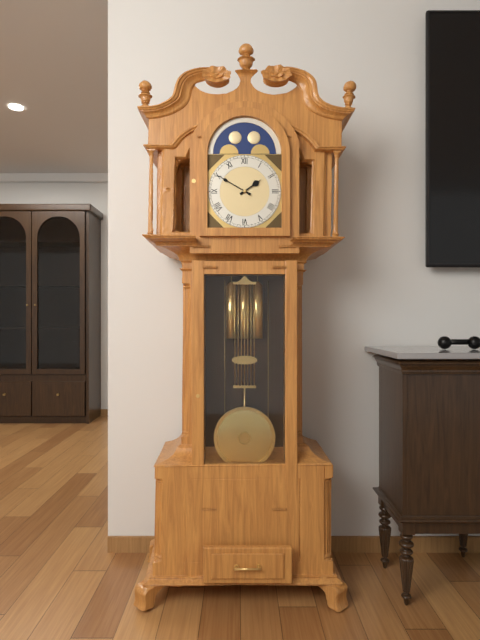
1 h 50 min
